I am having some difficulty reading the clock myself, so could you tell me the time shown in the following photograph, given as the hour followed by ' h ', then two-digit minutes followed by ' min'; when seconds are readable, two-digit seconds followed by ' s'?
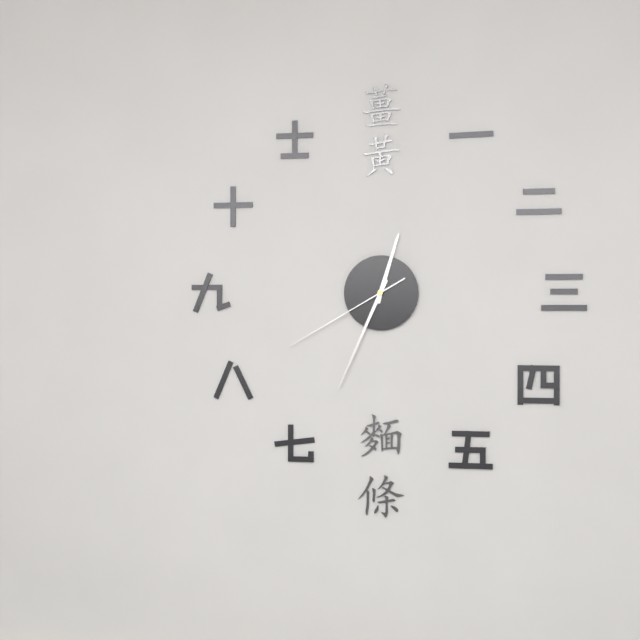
12 h 34 min 40 s
